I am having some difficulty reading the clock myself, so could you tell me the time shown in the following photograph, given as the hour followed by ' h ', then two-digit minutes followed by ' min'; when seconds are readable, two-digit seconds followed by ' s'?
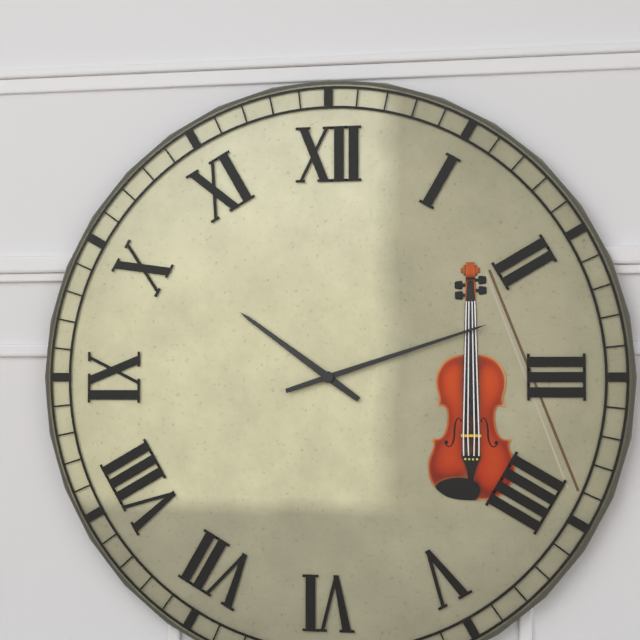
10 h 12 min
